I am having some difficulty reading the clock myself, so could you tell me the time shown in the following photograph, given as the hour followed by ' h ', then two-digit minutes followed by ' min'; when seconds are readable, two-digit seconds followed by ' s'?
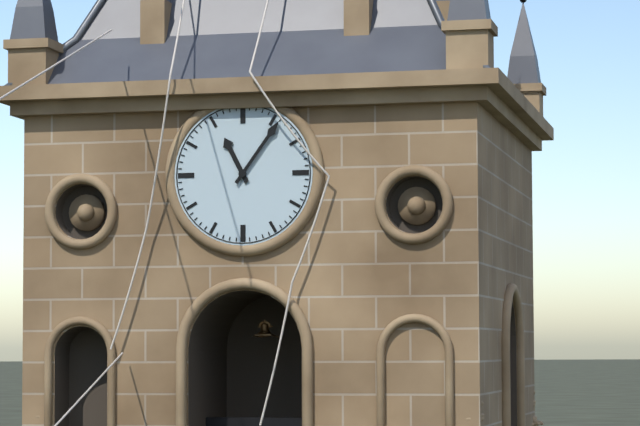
11 h 06 min
